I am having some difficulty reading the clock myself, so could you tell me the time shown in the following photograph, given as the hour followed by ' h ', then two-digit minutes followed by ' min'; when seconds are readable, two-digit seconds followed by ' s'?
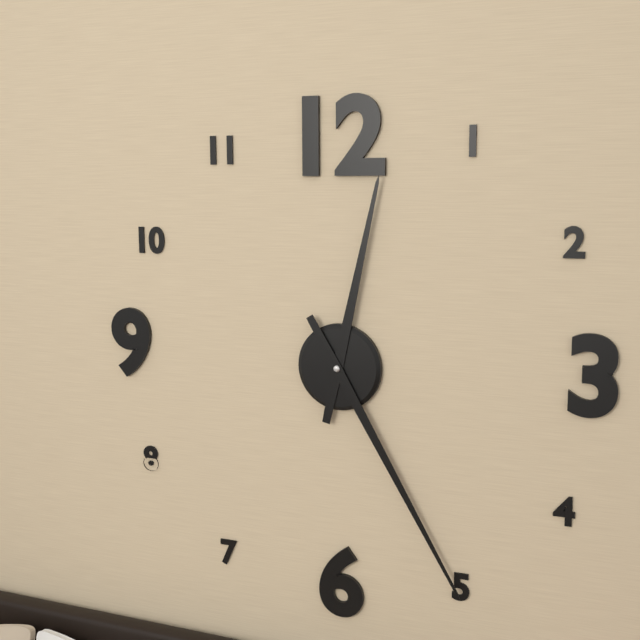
12 h 25 min
